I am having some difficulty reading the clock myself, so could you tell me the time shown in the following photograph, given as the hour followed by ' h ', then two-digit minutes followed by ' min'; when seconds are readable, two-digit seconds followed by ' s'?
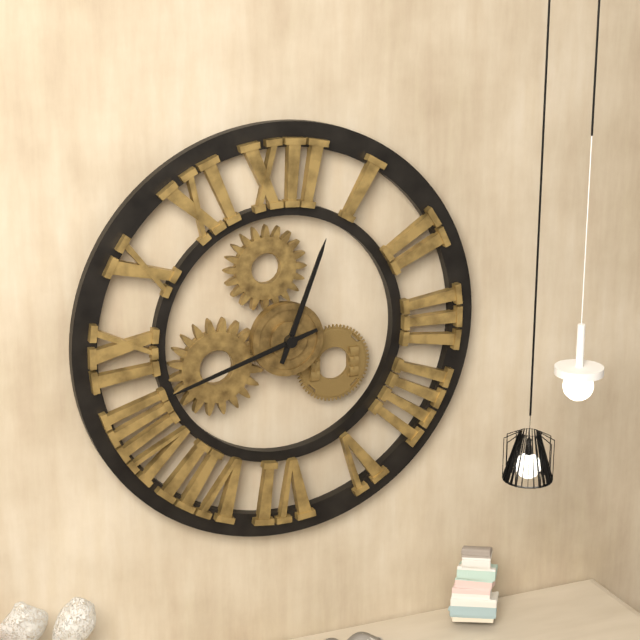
12 h 42 min
